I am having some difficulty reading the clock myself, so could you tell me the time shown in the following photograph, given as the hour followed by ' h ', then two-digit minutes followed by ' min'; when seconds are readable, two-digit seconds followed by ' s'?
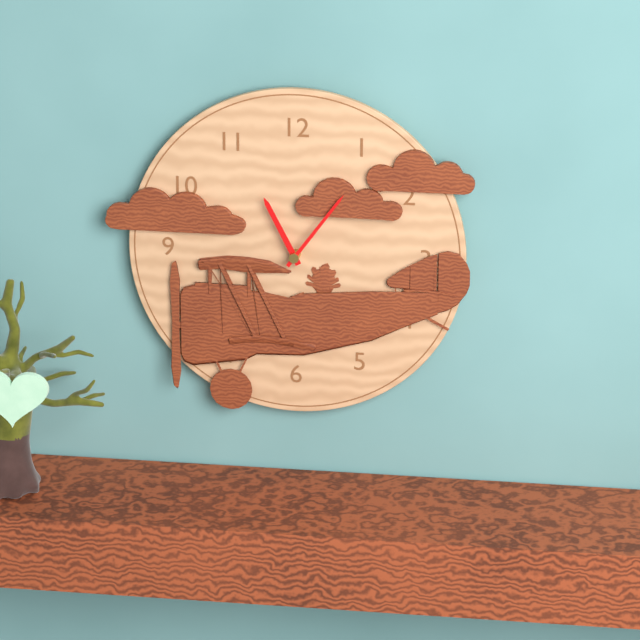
11 h 06 min
